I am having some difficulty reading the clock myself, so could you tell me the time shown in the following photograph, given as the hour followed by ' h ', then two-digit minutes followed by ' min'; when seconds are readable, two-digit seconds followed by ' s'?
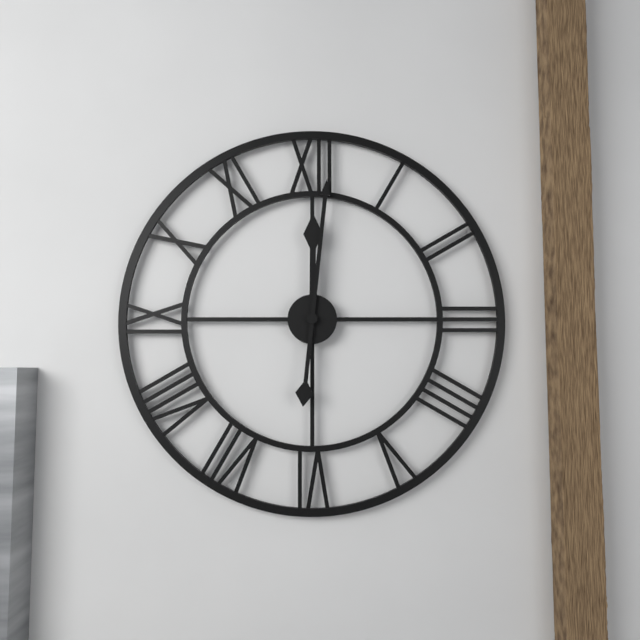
12 h 01 min
